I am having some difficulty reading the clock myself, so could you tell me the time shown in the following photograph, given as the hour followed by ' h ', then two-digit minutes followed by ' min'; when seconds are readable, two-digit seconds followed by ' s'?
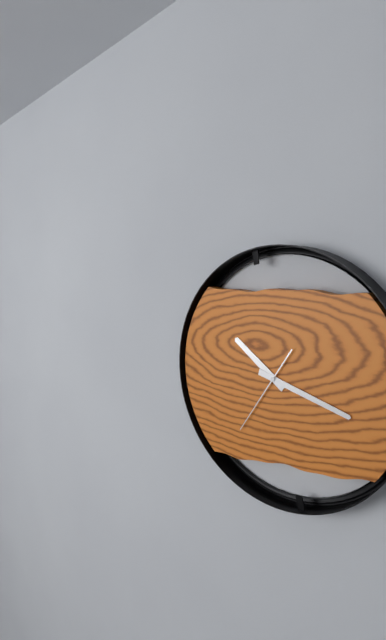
10 h 18 min 36 s
